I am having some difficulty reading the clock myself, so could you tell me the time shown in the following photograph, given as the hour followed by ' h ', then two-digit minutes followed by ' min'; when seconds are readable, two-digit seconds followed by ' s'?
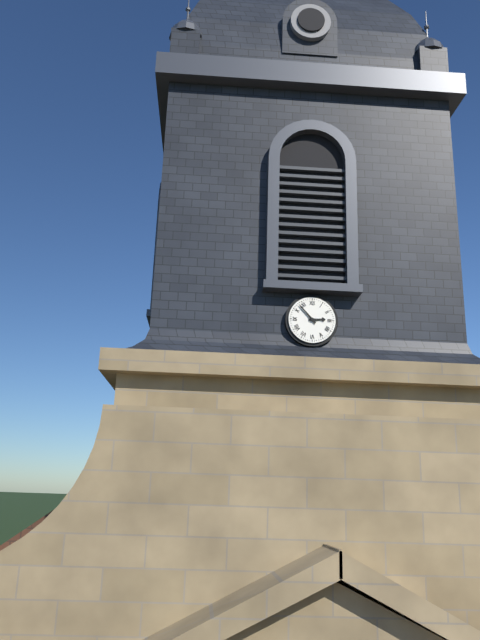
2 h 53 min
